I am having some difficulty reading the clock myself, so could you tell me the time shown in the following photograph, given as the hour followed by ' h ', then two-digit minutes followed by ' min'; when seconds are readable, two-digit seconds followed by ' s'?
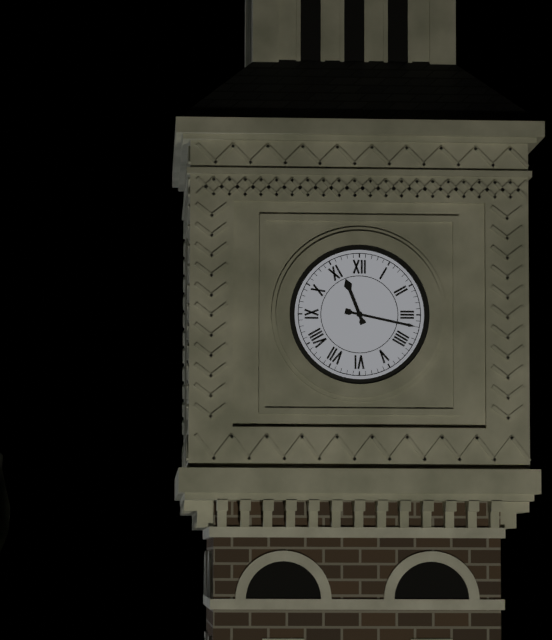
11 h 17 min
